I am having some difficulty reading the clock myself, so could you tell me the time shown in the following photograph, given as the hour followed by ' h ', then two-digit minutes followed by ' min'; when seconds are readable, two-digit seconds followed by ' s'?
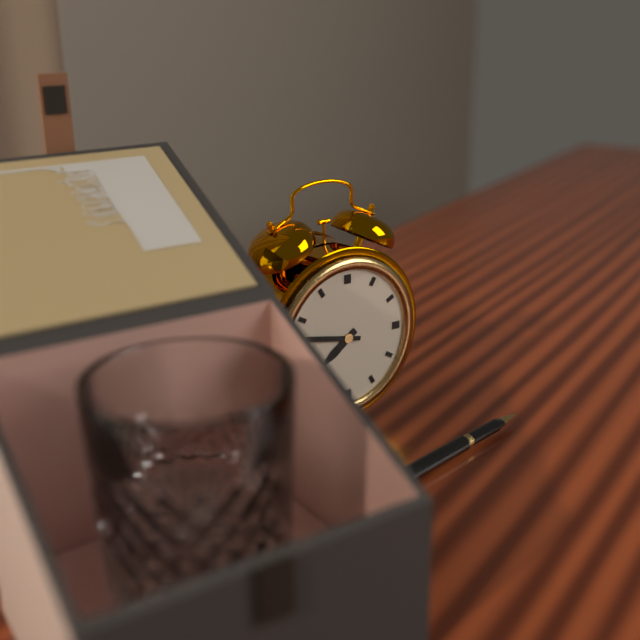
7 h 47 min
